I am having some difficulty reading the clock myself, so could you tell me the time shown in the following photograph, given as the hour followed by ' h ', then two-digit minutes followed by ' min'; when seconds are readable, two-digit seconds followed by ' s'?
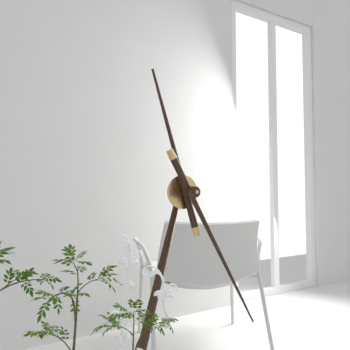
11 h 25 min
